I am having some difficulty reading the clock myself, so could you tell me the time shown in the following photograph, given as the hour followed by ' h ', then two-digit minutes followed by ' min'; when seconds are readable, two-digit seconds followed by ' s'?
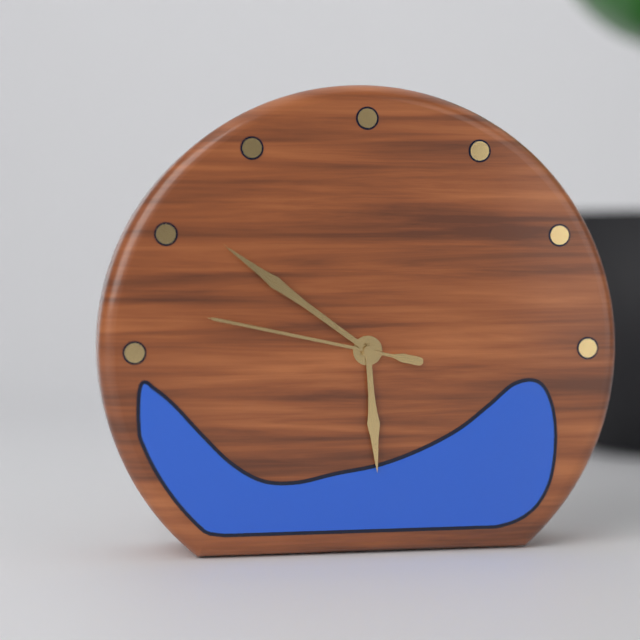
5 h 51 min 47 s
